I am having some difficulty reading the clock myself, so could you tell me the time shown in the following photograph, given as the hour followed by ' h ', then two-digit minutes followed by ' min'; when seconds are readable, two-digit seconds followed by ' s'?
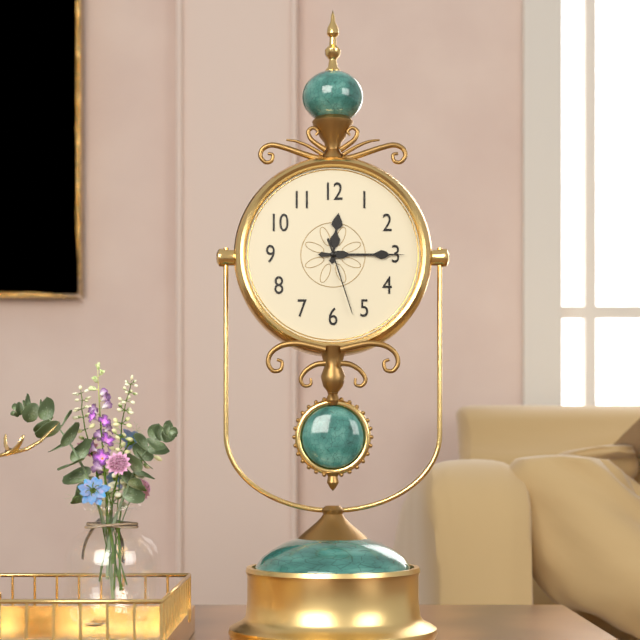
12 h 15 min 27 s
